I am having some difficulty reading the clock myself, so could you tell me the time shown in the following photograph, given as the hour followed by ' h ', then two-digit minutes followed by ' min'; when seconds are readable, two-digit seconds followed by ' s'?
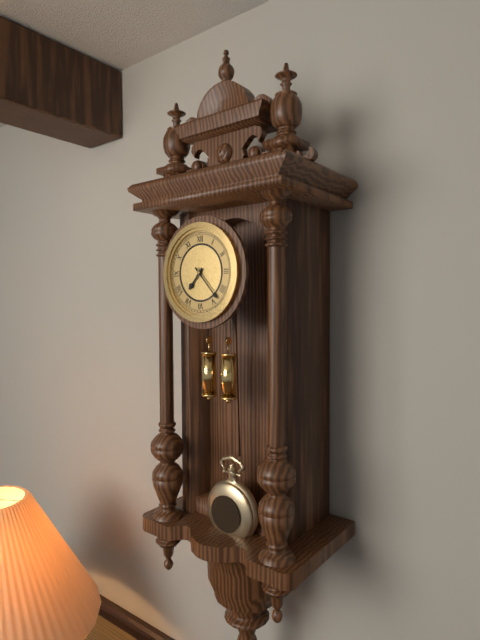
7 h 23 min
